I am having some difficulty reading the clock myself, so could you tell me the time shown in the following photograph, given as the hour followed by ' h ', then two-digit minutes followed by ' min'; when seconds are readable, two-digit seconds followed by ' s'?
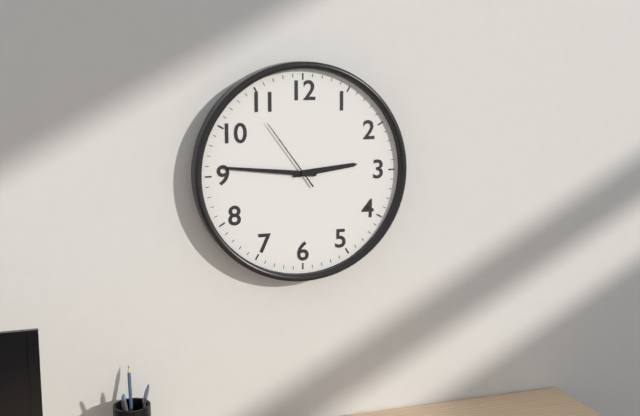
2 h 46 min 54 s
